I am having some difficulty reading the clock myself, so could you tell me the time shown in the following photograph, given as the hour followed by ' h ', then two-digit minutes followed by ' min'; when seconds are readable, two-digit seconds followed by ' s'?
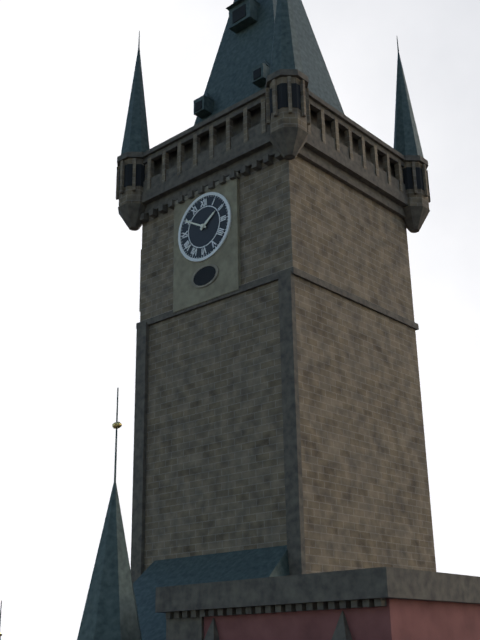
1 h 50 min
